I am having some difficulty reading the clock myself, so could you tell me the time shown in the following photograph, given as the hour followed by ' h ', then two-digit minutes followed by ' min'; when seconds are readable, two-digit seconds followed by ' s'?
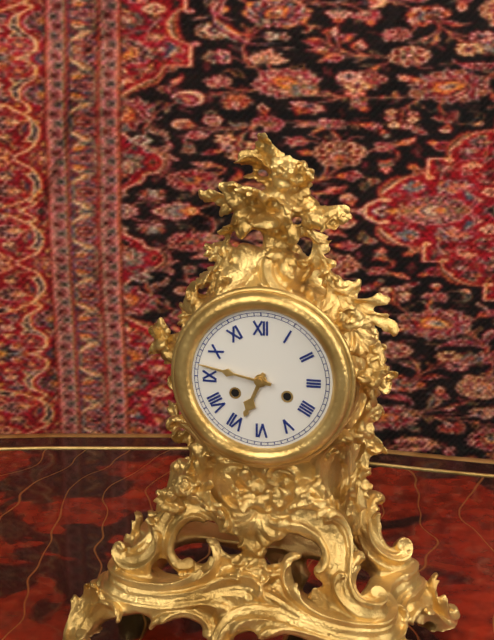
6 h 47 min
